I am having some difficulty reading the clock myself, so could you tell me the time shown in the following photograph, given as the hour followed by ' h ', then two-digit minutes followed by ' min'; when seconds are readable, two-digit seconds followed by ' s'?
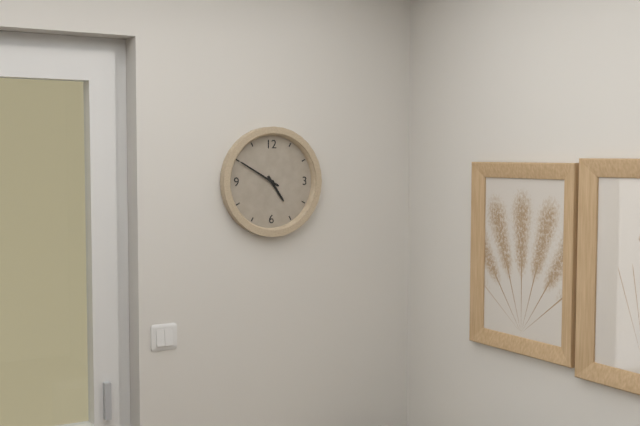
4 h 50 min
